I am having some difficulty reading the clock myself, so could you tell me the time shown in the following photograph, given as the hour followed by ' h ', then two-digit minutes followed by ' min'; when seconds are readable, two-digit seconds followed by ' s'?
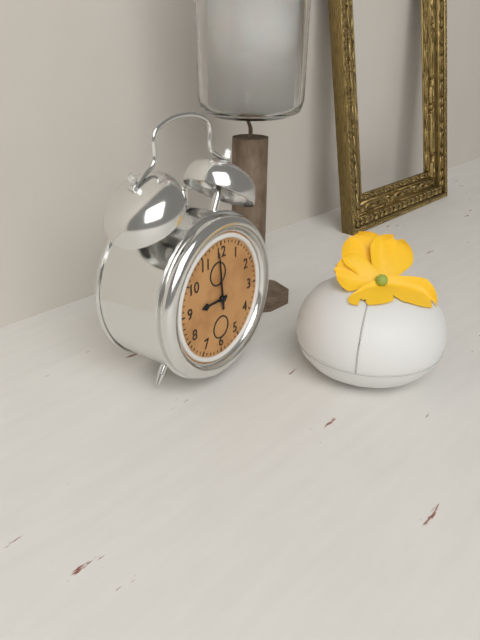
8 h 59 min
